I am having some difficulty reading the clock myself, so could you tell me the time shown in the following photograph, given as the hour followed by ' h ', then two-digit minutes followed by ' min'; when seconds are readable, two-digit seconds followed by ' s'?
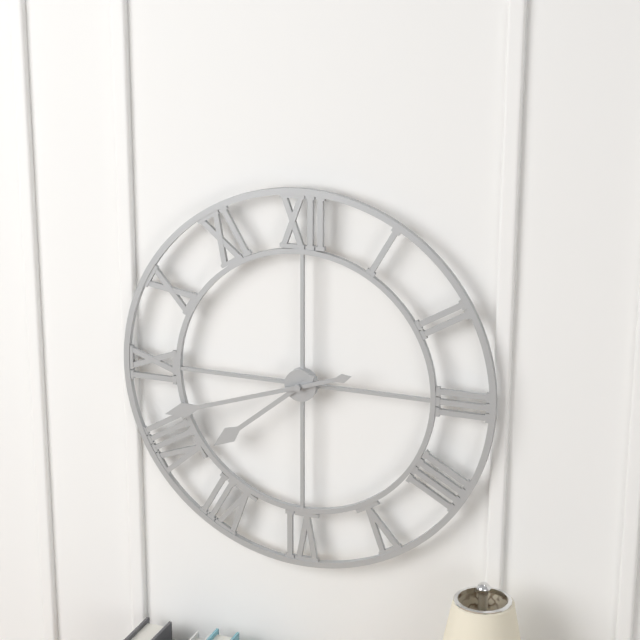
7 h 42 min
